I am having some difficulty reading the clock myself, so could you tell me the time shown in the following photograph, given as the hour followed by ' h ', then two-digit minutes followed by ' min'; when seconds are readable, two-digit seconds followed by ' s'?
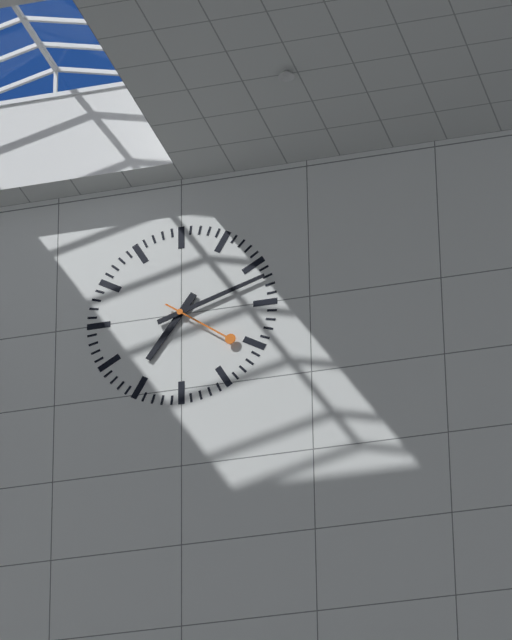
7 h 12 min 21 s
